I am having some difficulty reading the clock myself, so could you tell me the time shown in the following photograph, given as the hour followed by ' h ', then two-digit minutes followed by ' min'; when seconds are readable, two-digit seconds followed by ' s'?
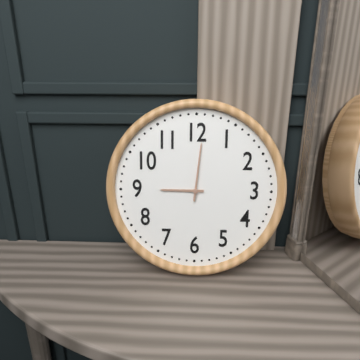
9 h 01 min
